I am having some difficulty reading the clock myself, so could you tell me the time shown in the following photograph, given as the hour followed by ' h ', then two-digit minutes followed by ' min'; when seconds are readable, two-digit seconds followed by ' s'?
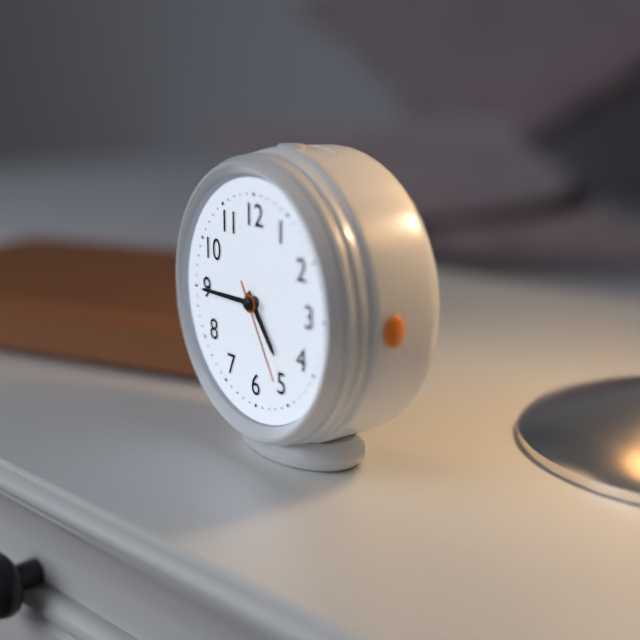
4 h 45 min 25 s
